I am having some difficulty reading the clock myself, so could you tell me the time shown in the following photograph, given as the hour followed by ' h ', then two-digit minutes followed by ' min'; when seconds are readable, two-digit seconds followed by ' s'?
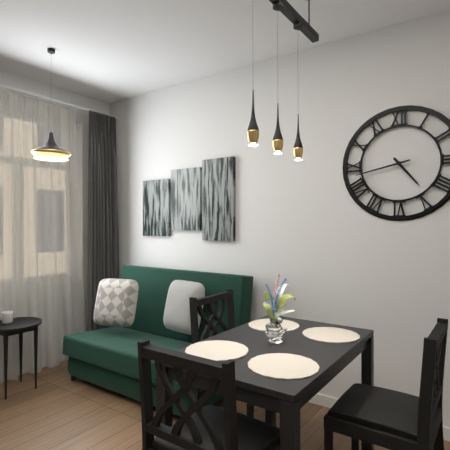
4 h 43 min
